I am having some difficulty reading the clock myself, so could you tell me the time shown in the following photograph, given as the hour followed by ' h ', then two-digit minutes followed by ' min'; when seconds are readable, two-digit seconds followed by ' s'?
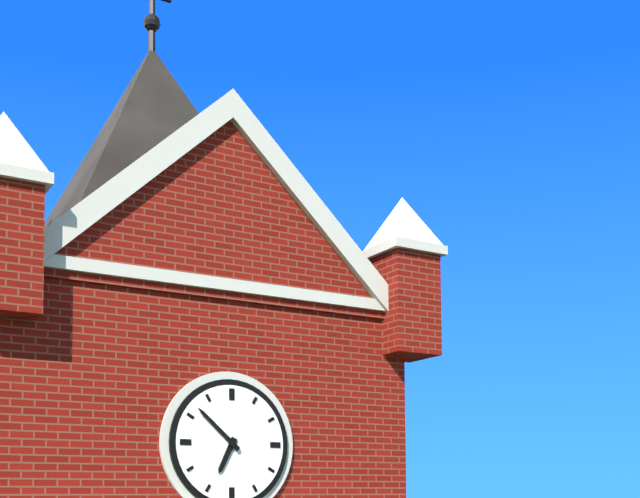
6 h 52 min
